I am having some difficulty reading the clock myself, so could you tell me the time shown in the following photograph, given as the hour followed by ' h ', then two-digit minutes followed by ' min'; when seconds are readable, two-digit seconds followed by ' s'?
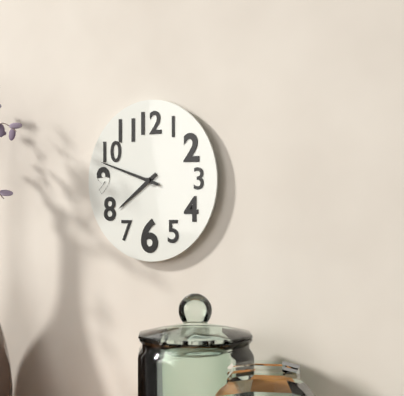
7 h 48 min
